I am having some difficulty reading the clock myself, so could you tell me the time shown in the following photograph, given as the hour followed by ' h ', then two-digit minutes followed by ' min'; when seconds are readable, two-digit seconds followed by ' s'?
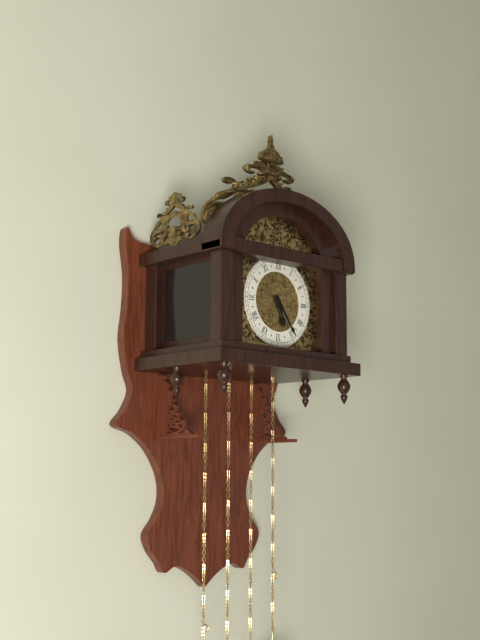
5 h 24 min
